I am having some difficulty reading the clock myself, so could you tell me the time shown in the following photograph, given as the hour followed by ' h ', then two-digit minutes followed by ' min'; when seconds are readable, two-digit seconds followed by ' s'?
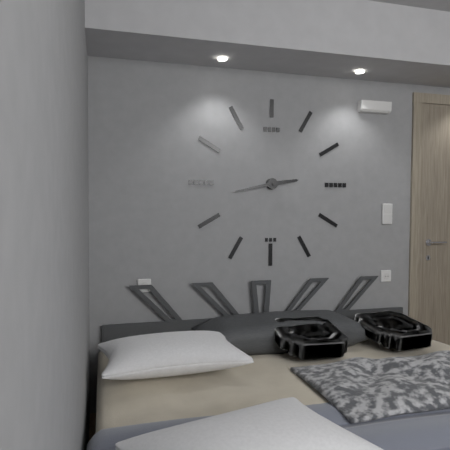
2 h 43 min
